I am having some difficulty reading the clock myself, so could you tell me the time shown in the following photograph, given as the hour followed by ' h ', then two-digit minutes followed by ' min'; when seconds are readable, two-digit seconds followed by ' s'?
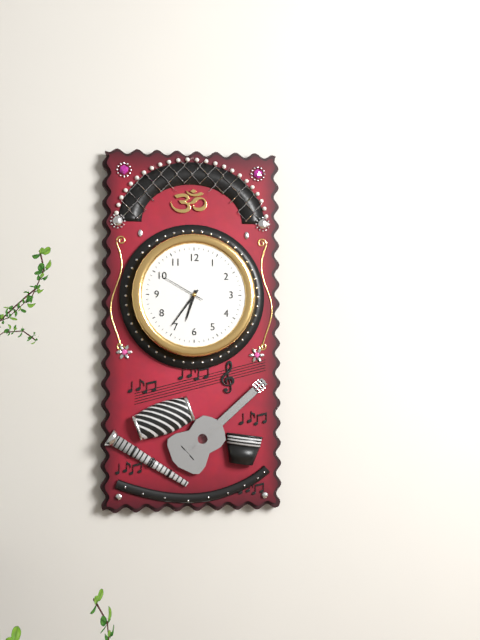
6 h 36 min
